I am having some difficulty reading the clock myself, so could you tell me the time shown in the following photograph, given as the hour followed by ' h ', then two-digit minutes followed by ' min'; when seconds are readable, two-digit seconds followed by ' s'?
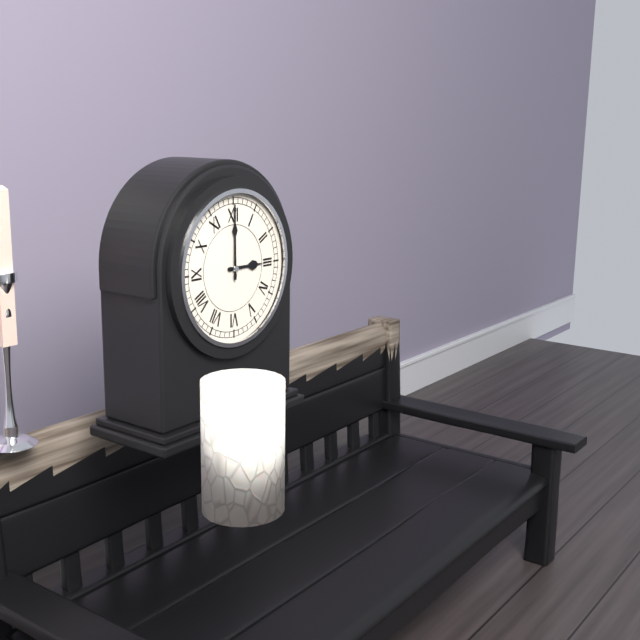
3 h 00 min
